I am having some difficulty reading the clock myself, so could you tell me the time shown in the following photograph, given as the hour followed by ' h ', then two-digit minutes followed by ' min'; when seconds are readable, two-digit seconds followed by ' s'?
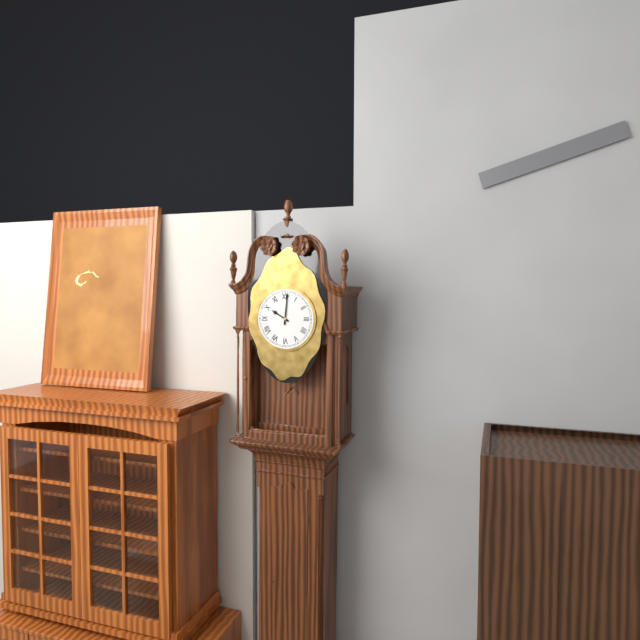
10 h 01 min
